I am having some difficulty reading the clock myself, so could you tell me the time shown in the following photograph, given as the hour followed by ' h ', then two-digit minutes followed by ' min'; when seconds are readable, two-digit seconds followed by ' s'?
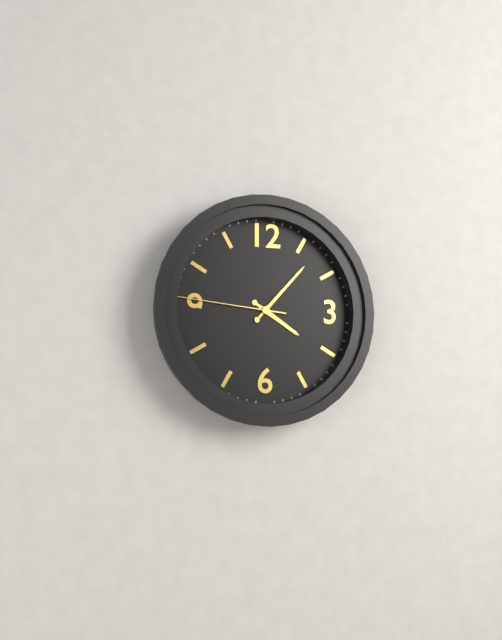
4 h 07 min 46 s
